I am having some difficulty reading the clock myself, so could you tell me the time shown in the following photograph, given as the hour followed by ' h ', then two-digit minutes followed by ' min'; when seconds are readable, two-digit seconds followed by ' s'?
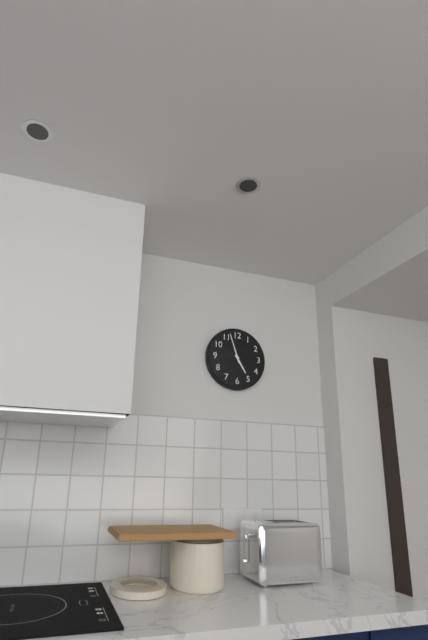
4 h 57 min
